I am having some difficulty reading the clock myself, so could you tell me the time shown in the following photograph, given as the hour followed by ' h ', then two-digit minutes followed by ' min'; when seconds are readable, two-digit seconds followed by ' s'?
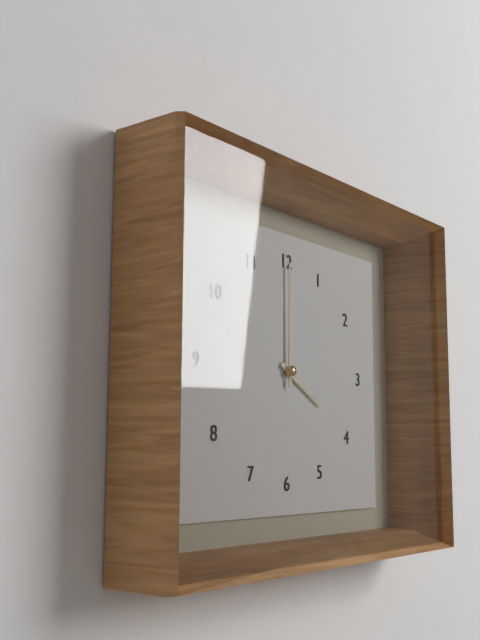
4 h 00 min
